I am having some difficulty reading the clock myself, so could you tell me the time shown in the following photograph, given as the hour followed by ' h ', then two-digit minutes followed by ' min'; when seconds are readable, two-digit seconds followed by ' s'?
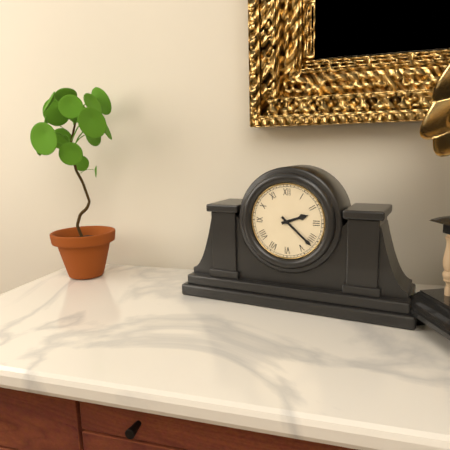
2 h 22 min
